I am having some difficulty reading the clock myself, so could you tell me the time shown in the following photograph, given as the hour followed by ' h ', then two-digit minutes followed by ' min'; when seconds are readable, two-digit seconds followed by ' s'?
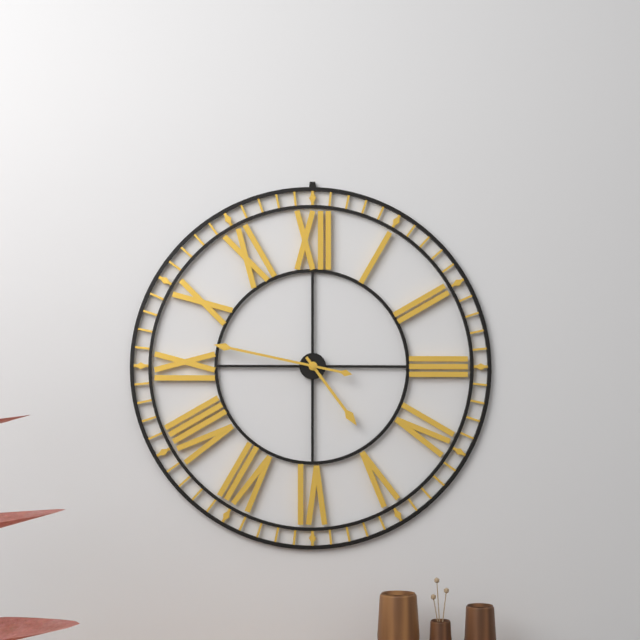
4 h 47 min
